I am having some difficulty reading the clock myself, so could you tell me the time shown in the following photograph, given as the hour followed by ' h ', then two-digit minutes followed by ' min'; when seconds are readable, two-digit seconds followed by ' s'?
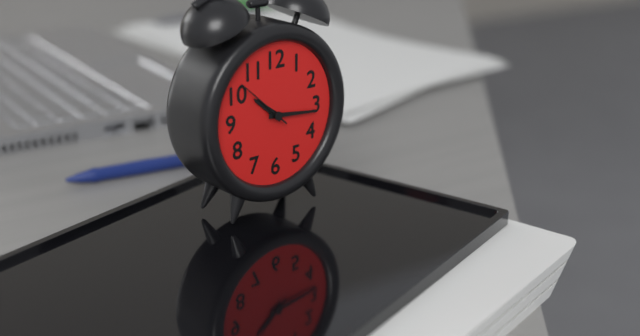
10 h 16 min 52 s
